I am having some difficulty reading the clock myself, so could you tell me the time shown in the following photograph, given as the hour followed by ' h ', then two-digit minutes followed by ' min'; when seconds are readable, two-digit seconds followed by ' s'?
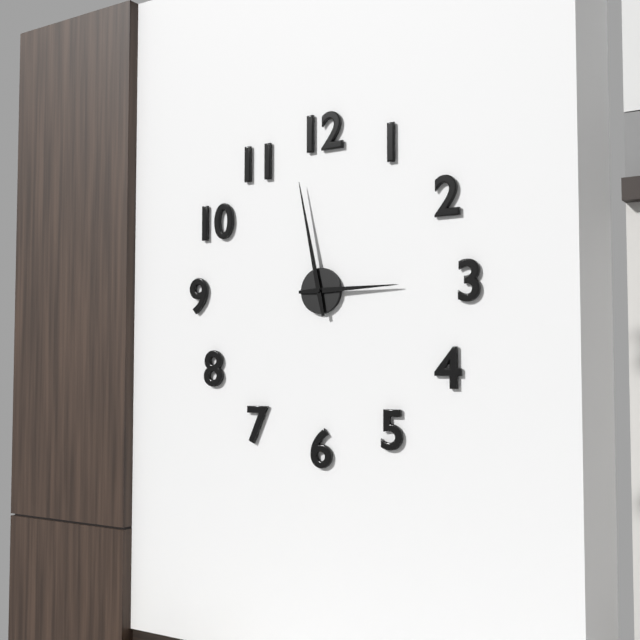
2 h 58 min
